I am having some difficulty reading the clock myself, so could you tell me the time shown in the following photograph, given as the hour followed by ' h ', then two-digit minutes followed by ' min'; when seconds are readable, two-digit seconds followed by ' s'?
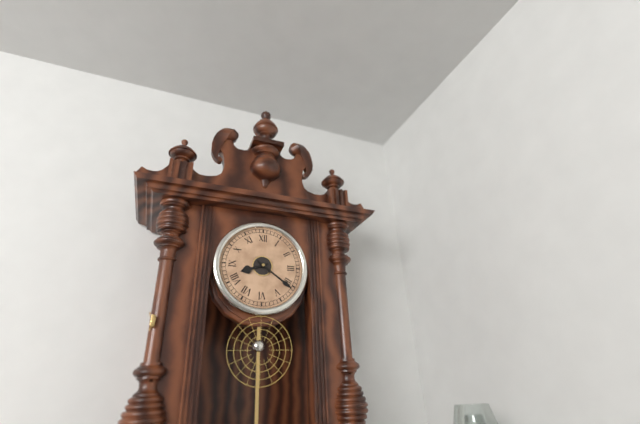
8 h 21 min
